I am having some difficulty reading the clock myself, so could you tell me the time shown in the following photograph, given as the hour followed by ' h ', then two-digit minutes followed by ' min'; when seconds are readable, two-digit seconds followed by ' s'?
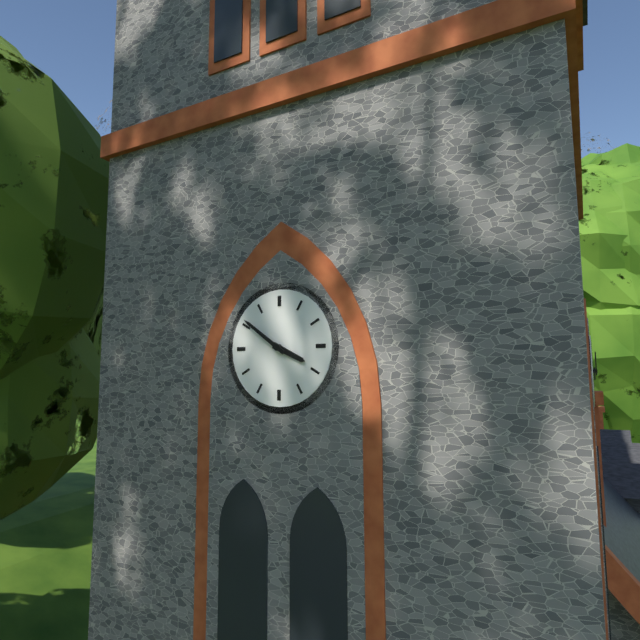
3 h 51 min
